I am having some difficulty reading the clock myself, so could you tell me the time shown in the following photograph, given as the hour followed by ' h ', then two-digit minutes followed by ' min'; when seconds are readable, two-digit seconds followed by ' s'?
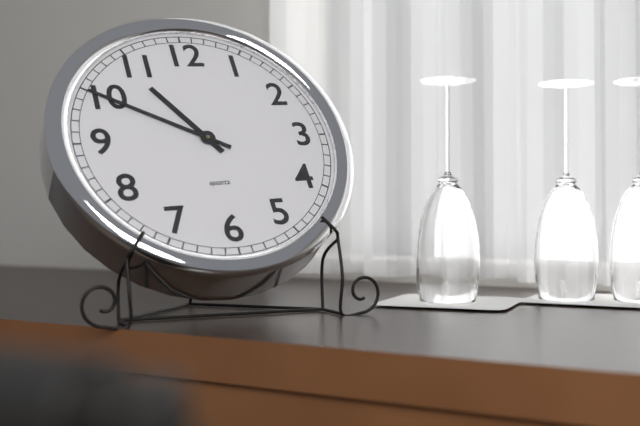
10 h 50 min
